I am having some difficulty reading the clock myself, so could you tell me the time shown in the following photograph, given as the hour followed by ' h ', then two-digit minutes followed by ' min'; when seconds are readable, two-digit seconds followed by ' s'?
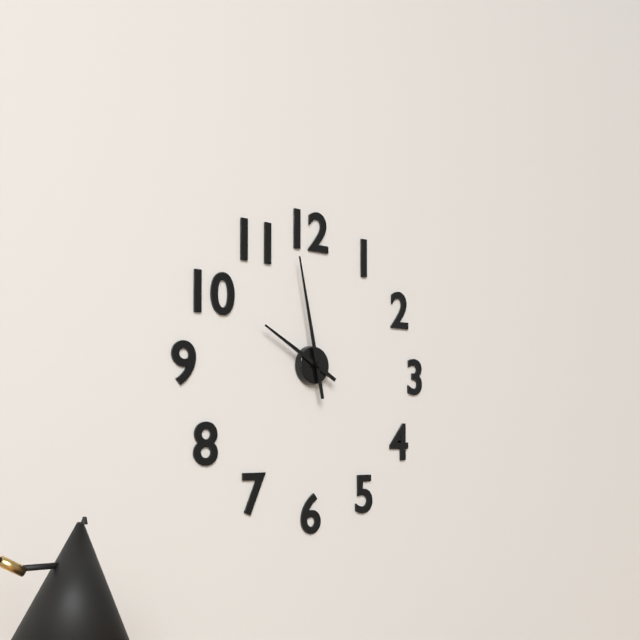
9 h 58 min
